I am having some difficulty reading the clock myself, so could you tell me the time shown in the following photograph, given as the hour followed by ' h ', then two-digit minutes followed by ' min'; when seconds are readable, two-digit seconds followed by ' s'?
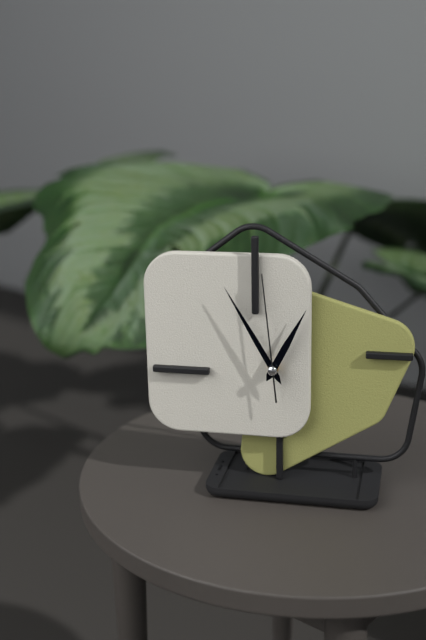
12 h 55 min 59 s
